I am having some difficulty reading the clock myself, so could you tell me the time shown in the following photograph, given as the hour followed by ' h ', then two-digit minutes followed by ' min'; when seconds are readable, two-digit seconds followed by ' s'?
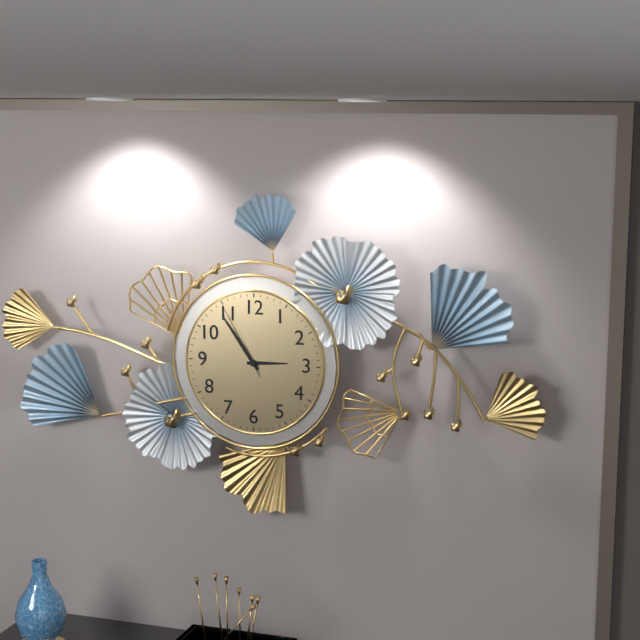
2 h 54 min 55 s
